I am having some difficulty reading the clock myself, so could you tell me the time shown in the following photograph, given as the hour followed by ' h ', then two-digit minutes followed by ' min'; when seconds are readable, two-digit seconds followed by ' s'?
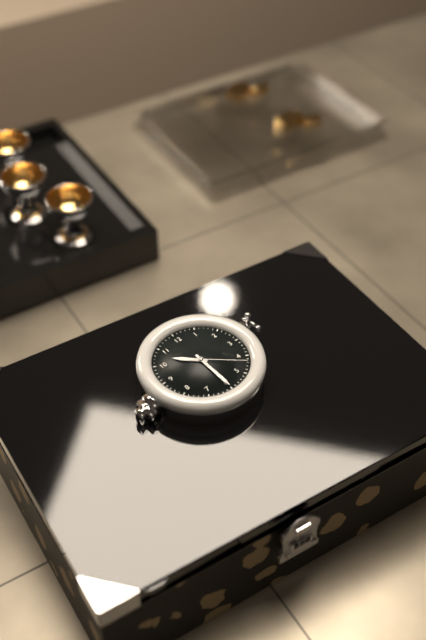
10 h 30 min 22 s
